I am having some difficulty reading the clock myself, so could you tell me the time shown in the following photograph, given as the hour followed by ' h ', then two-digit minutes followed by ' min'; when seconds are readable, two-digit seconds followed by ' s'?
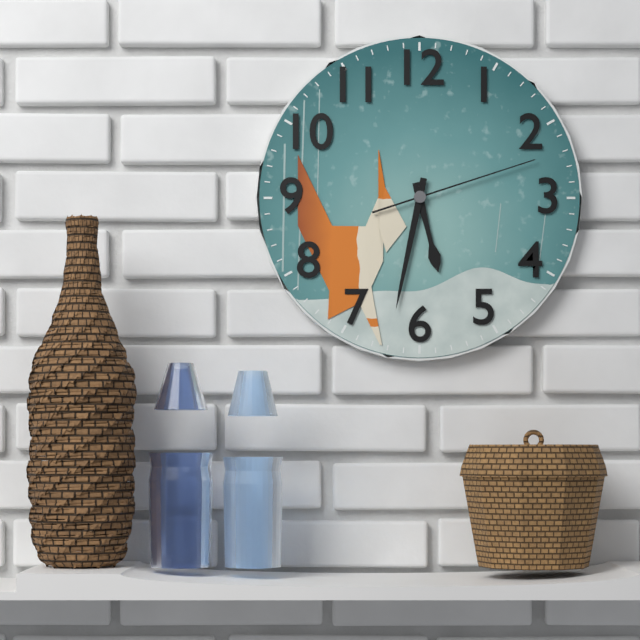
5 h 32 min 12 s
